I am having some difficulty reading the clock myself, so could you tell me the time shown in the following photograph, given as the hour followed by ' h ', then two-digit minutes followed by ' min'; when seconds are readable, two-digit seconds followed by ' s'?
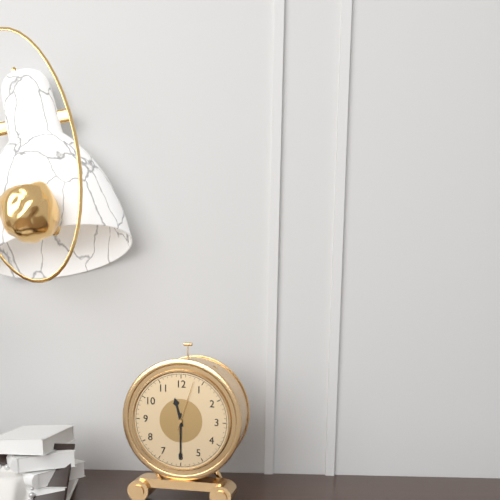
11 h 30 min 03 s
